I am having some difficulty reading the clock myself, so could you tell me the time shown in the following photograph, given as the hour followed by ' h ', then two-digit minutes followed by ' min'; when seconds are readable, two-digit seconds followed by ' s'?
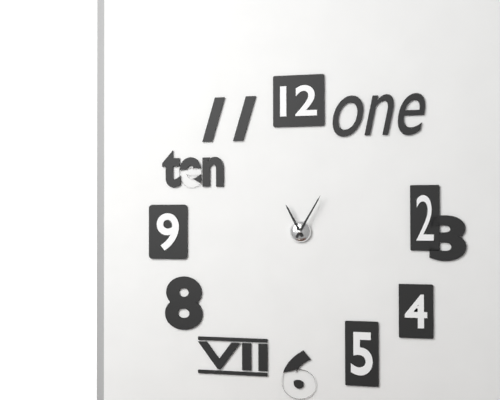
11 h 05 min
